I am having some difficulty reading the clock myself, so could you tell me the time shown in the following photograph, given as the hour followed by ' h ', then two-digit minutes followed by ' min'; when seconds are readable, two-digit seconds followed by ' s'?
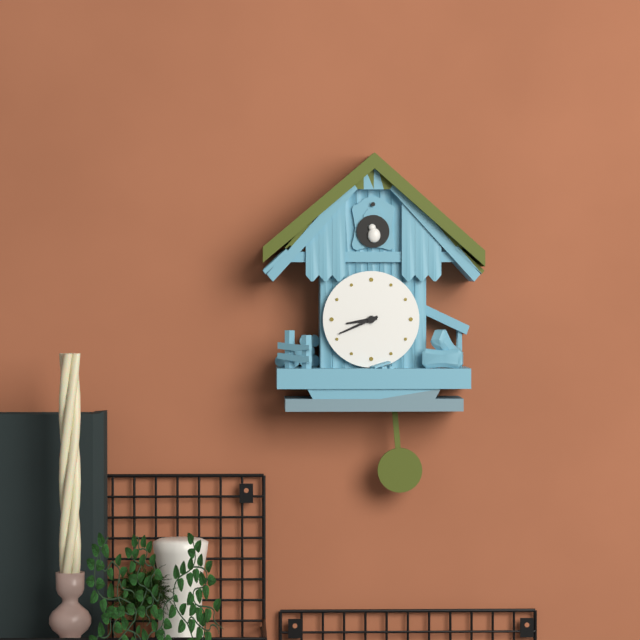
8 h 41 min
